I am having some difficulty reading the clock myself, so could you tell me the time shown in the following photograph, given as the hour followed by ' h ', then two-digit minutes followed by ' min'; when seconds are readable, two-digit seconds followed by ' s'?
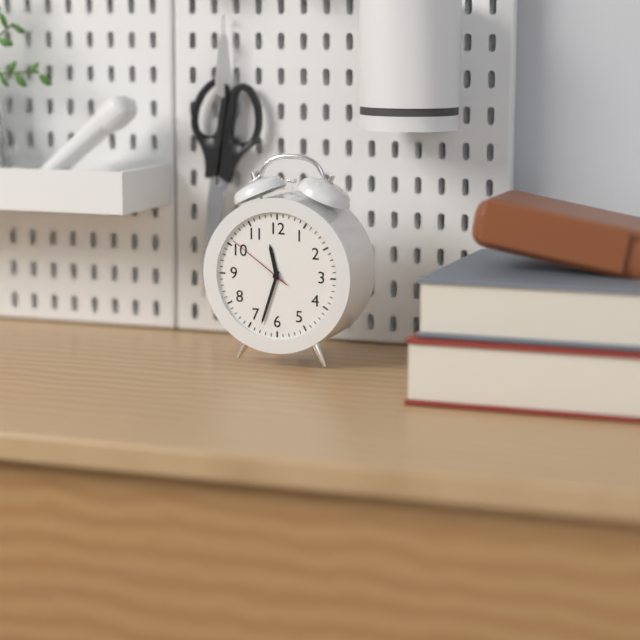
11 h 33 min 51 s
